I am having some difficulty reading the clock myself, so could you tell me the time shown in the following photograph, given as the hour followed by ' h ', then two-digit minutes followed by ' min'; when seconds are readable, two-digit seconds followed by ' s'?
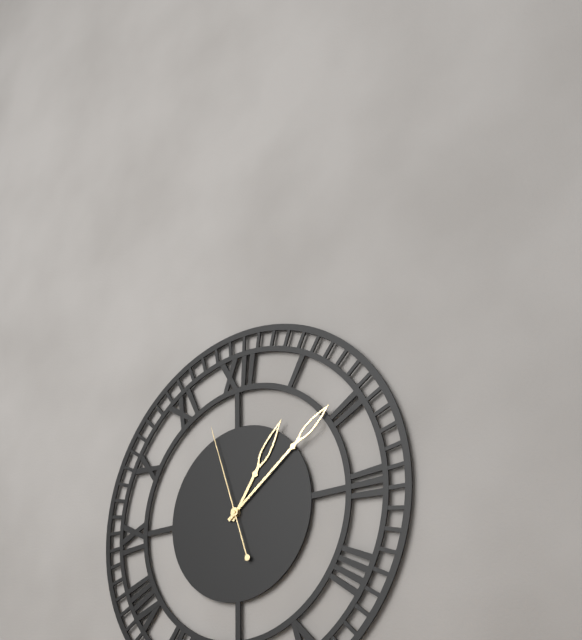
1 h 09 min 57 s
